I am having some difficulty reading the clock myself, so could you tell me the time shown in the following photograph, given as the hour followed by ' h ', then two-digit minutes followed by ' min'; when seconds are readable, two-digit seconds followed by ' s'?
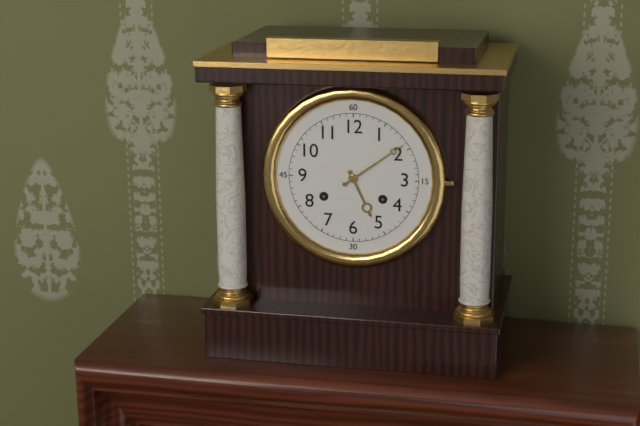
5 h 09 min
